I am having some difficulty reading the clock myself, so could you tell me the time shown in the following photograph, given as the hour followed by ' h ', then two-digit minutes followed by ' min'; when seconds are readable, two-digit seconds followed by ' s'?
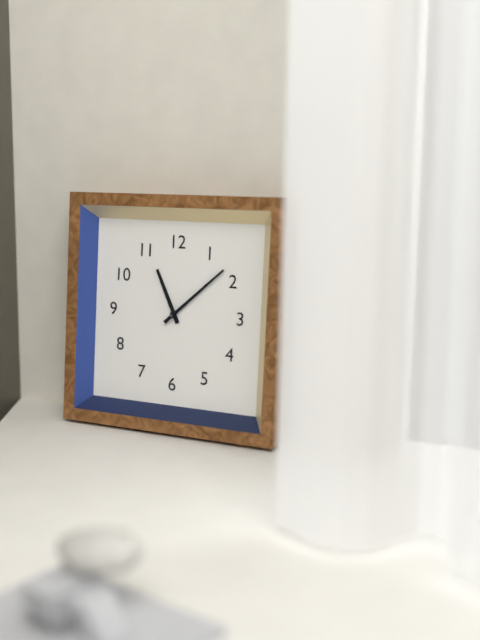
11 h 08 min
